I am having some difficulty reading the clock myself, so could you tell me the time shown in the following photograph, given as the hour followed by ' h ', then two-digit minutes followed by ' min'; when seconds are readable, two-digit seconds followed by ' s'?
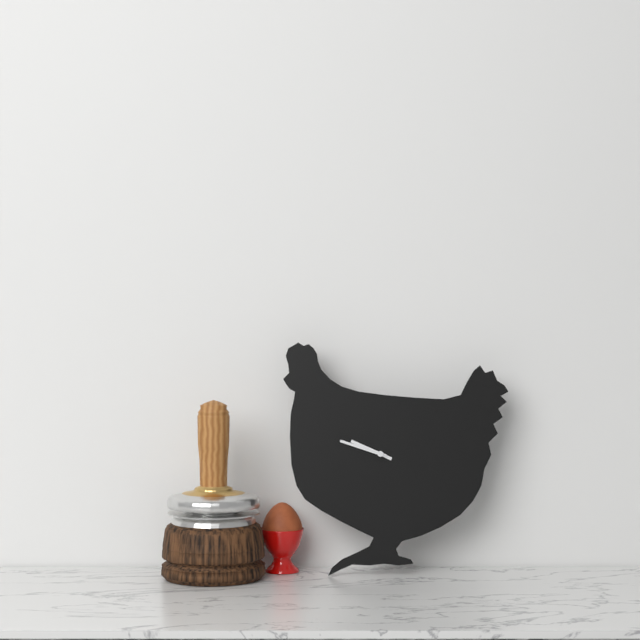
9 h 48 min
